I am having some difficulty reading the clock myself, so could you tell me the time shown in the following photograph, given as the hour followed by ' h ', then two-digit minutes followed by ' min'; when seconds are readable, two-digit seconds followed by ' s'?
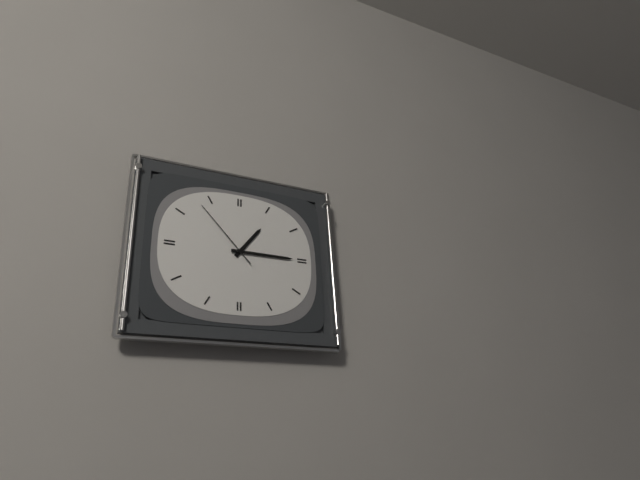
1 h 15 min 53 s
